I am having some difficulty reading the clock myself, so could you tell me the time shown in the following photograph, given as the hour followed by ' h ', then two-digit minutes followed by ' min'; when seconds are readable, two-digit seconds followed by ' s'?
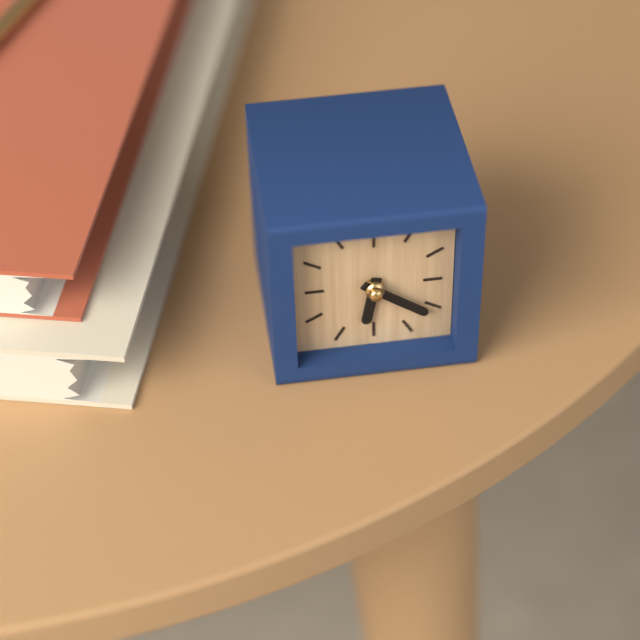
6 h 21 min
